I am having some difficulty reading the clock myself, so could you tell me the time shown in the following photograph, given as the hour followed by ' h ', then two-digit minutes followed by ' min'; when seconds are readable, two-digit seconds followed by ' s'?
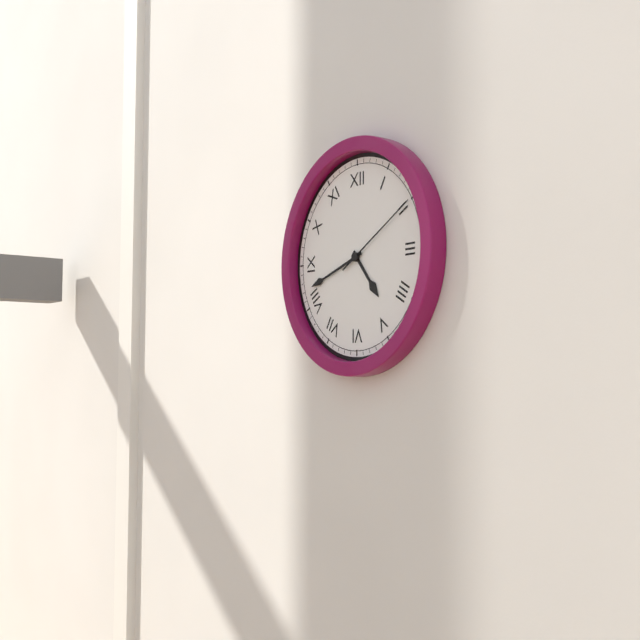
4 h 42 min 10 s
